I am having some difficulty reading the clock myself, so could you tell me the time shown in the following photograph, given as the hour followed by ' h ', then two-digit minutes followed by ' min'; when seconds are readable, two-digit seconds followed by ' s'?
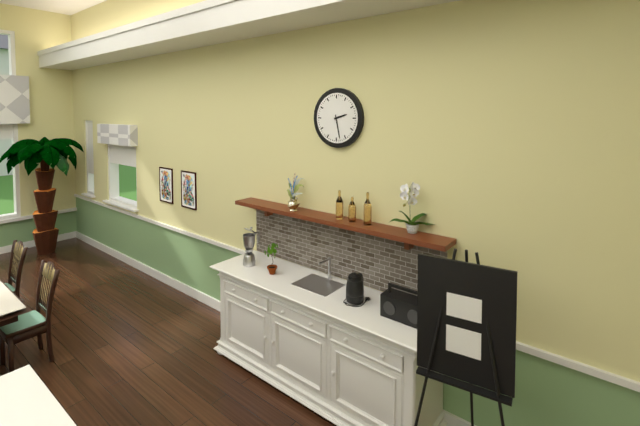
2 h 28 min
